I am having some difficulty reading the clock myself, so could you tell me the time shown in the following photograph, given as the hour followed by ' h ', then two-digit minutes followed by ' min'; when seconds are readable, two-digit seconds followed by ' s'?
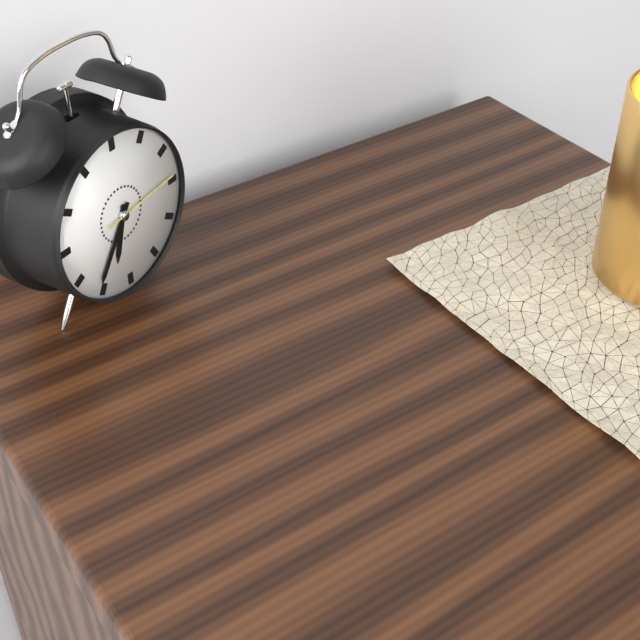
6 h 36 min 14 s
